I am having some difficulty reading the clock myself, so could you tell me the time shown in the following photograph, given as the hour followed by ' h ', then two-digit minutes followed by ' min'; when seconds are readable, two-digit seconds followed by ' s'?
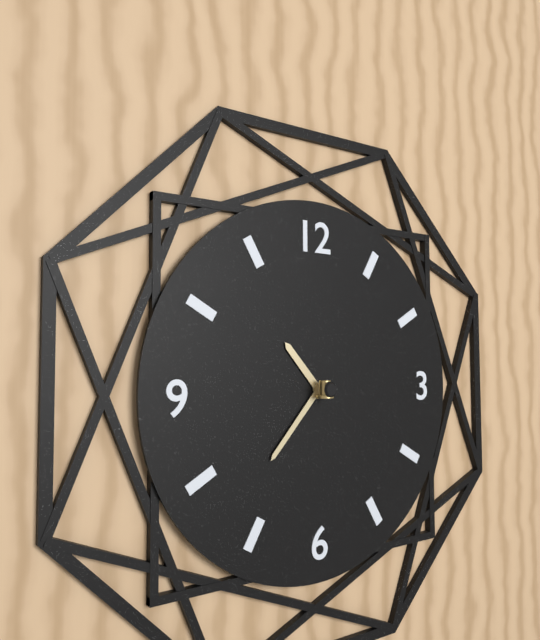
10 h 37 min
